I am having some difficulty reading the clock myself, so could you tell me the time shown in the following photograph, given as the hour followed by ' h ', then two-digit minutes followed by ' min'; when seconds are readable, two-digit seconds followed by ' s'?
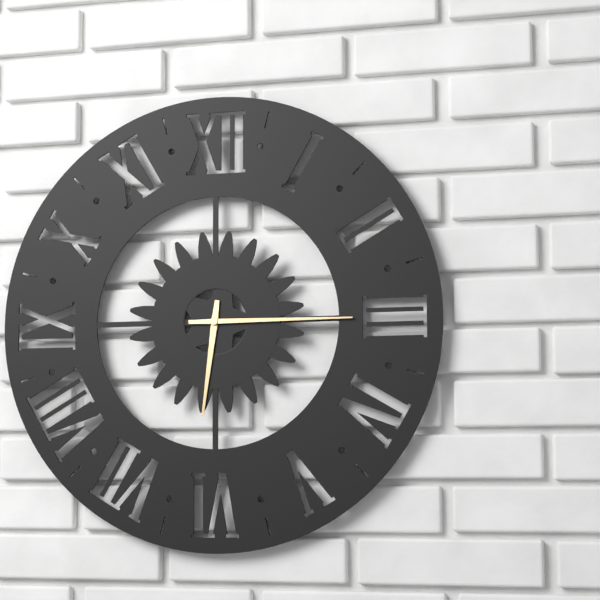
6 h 15 min
